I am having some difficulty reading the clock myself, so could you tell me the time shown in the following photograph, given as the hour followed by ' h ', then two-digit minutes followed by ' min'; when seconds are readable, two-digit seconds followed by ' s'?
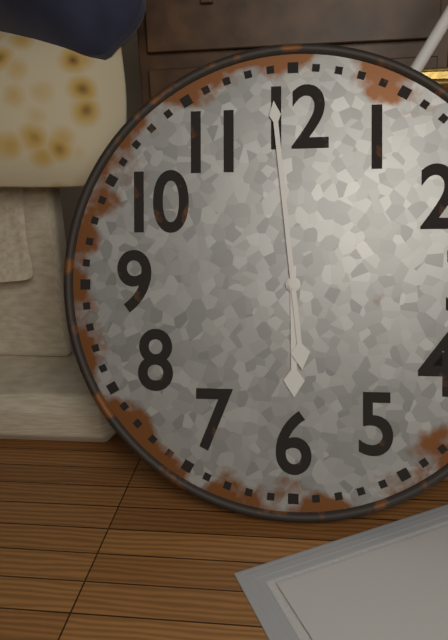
5 h 59 min
